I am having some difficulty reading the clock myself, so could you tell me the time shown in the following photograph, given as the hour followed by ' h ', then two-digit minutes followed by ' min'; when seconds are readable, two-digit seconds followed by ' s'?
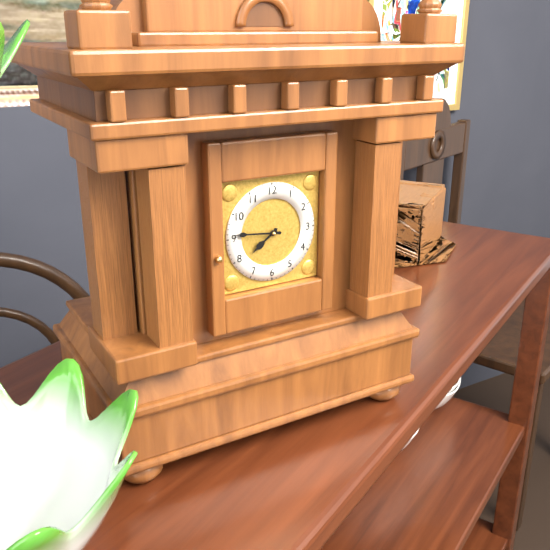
7 h 46 min
